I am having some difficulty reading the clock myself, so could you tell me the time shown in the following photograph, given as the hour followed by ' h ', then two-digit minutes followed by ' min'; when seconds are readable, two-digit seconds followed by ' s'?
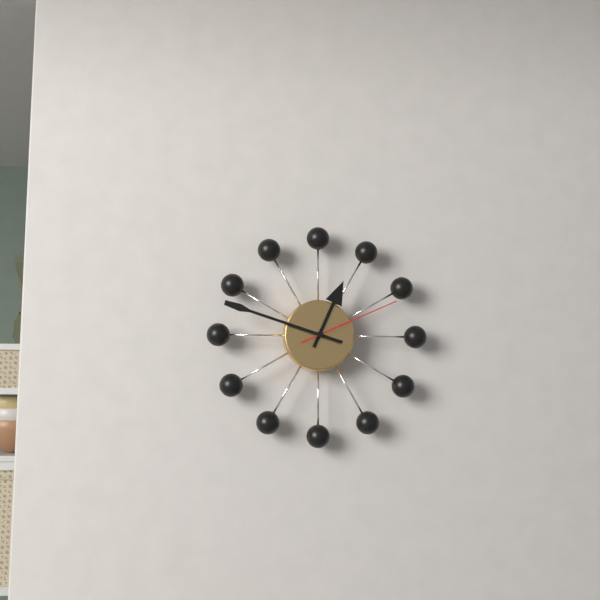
12 h 48 min 11 s
